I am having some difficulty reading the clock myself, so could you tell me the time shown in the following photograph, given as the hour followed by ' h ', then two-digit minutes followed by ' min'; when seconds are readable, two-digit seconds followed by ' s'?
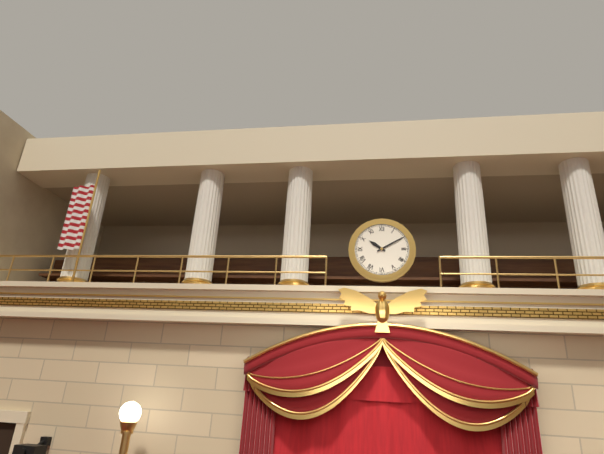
10 h 10 min
